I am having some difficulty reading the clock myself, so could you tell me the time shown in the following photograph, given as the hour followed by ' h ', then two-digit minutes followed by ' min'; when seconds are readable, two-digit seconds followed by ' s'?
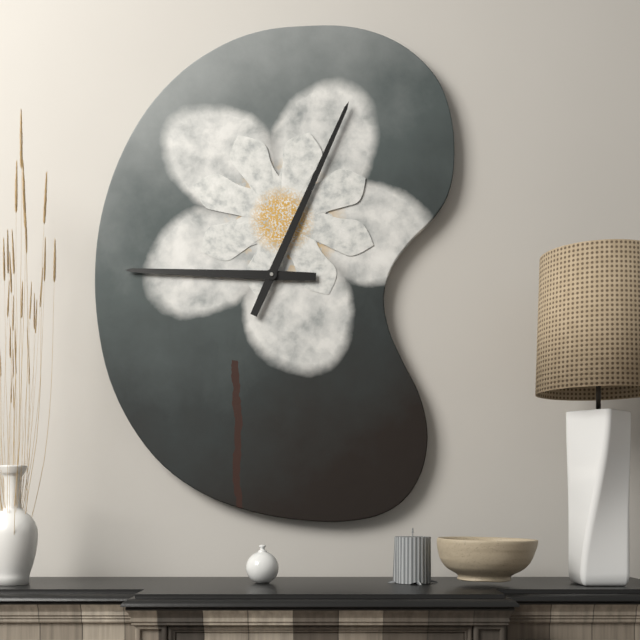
9 h 04 min
